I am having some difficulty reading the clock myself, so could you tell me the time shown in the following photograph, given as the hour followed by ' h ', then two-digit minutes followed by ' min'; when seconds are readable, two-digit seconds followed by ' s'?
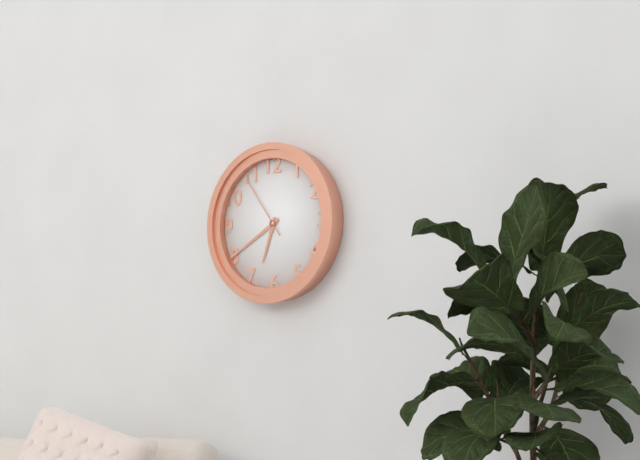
6 h 40 min 54 s
